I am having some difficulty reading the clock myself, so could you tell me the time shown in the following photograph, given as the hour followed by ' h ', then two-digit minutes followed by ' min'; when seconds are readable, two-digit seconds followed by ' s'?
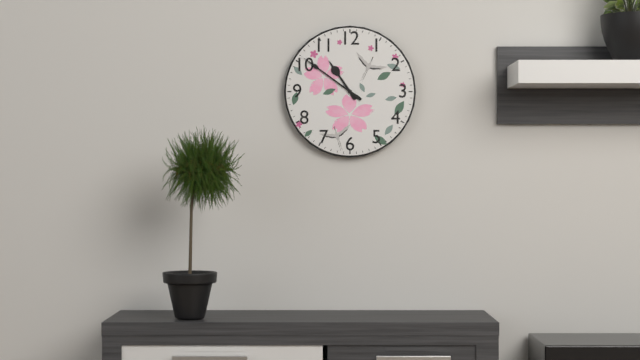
10 h 51 min
